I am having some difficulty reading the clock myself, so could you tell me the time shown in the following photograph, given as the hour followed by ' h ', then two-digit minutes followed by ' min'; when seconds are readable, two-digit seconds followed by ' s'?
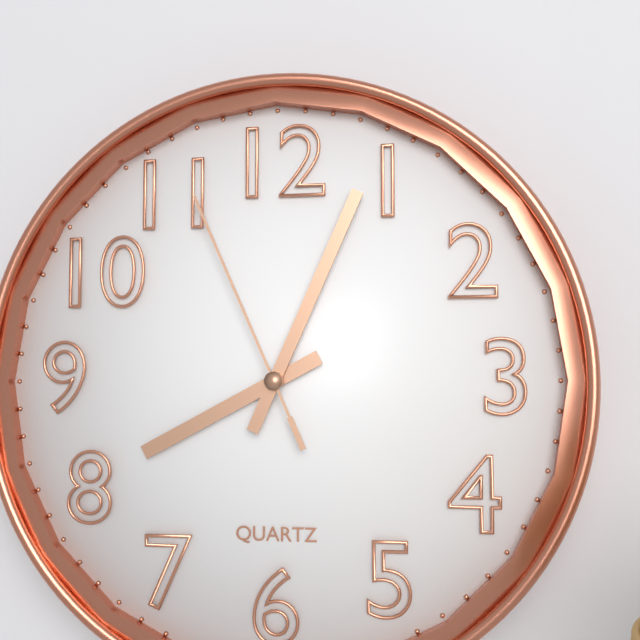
8 h 04 min 56 s
